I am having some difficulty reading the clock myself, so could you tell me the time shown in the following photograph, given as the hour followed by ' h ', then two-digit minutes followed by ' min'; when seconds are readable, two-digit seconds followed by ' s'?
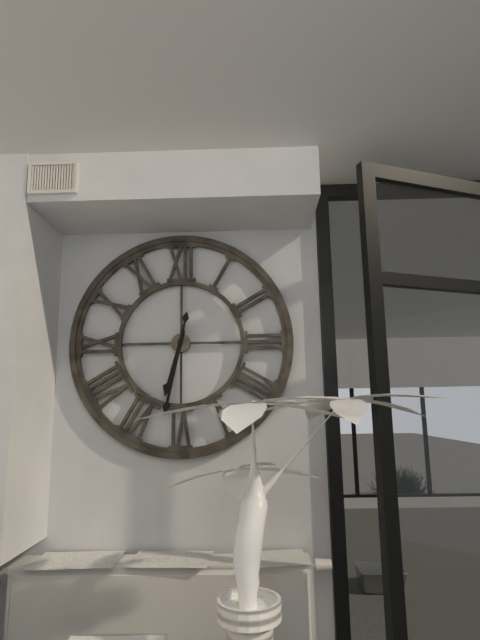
6 h 32 min
